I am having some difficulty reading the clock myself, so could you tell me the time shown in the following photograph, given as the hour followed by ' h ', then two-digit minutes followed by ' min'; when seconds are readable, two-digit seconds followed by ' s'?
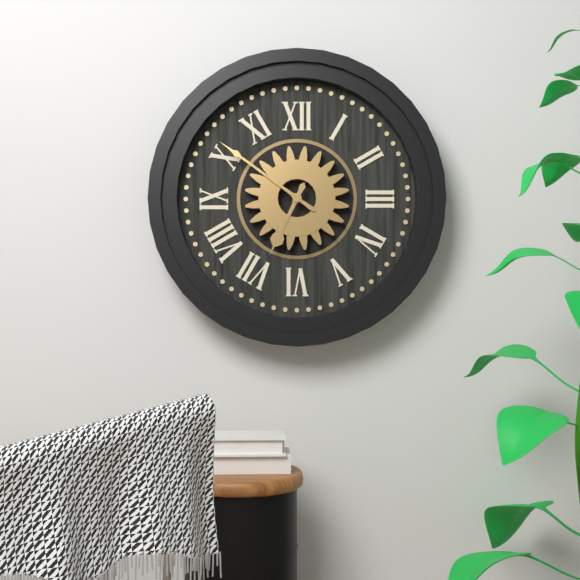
6 h 51 min
